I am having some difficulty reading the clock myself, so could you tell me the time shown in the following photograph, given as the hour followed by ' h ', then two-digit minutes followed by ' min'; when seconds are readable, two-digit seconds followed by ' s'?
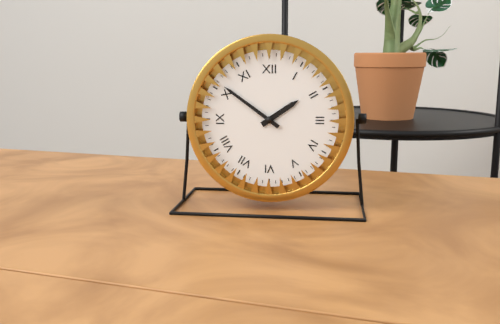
1 h 51 min
